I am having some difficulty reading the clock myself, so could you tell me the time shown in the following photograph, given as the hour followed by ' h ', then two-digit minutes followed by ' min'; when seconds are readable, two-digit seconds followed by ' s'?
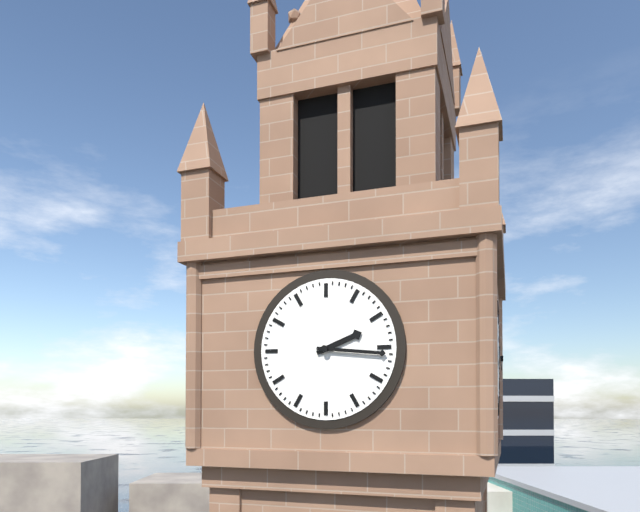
2 h 16 min
